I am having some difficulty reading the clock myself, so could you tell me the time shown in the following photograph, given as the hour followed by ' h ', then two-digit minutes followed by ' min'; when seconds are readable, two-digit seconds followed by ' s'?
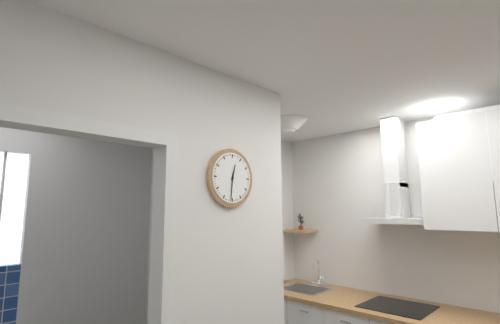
12 h 31 min
